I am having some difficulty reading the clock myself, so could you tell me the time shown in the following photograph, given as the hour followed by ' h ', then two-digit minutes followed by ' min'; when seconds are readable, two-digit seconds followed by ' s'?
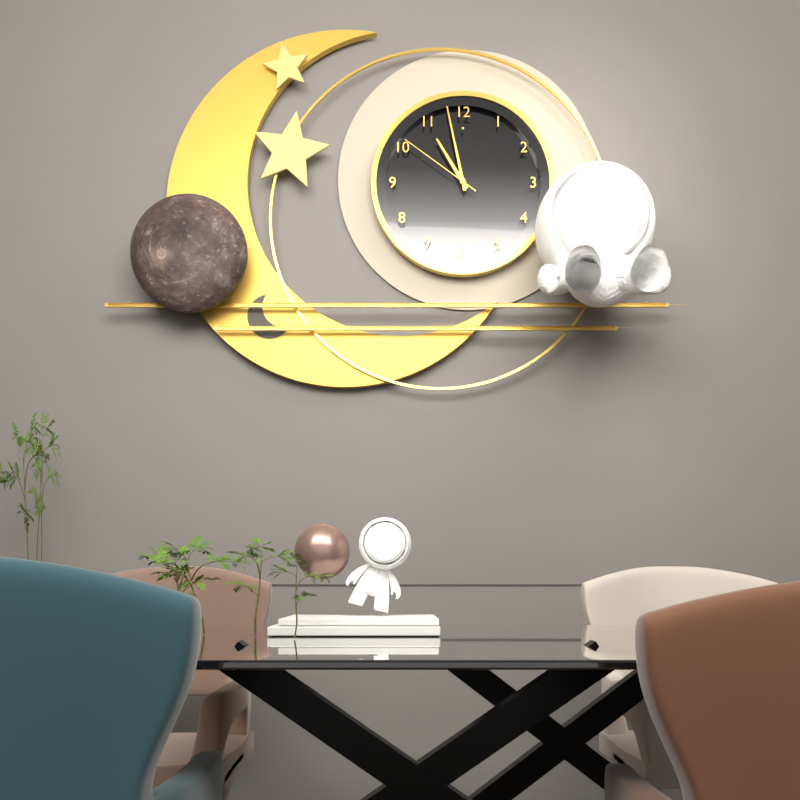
10 h 58 min 51 s
